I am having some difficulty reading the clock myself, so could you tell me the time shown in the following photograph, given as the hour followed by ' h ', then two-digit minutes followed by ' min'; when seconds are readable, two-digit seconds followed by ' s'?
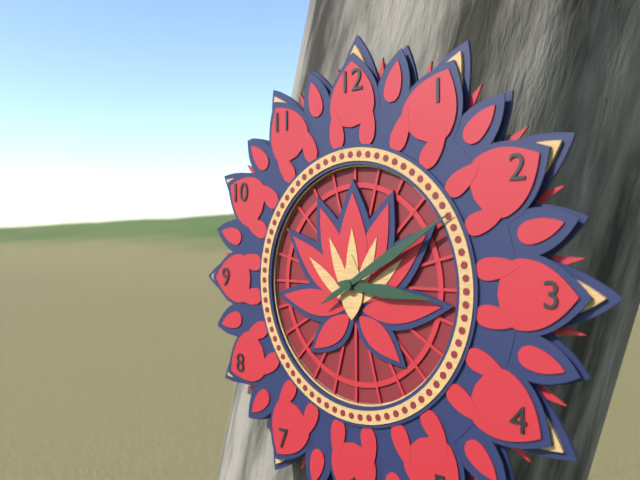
3 h 10 min
